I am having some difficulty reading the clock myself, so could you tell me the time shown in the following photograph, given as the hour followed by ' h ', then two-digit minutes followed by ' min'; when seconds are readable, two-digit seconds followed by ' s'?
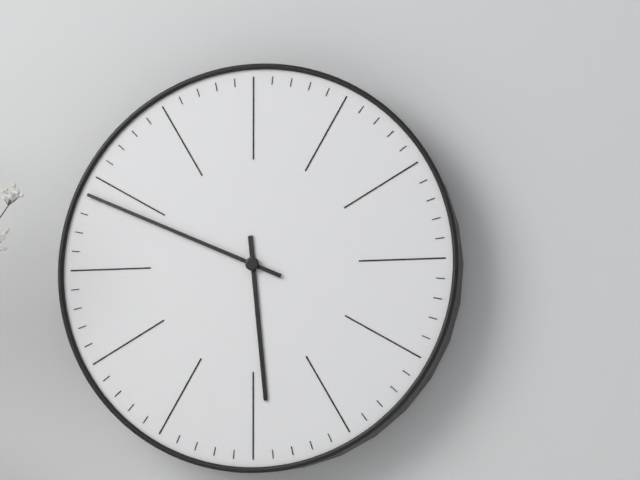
5 h 49 min
